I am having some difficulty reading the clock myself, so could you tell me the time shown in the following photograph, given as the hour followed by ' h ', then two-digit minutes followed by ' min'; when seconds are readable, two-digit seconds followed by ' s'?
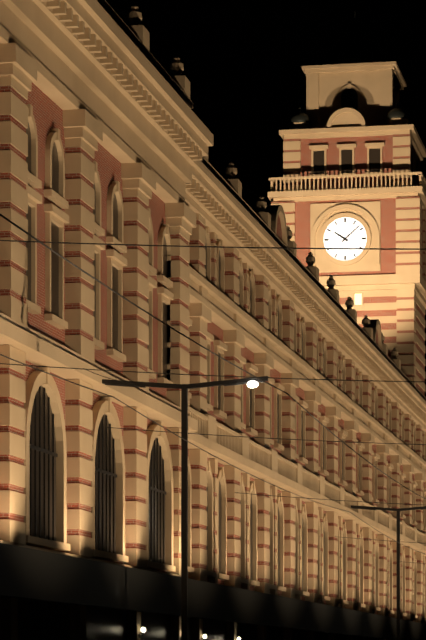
10 h 08 min
